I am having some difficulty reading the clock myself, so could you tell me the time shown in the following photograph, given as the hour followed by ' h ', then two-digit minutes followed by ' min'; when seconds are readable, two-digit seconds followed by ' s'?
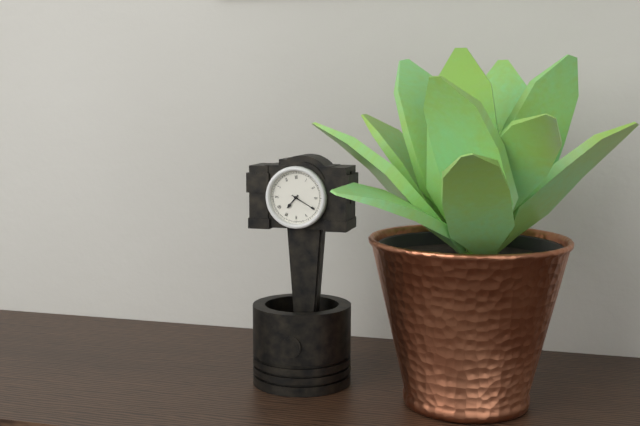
7 h 20 min
